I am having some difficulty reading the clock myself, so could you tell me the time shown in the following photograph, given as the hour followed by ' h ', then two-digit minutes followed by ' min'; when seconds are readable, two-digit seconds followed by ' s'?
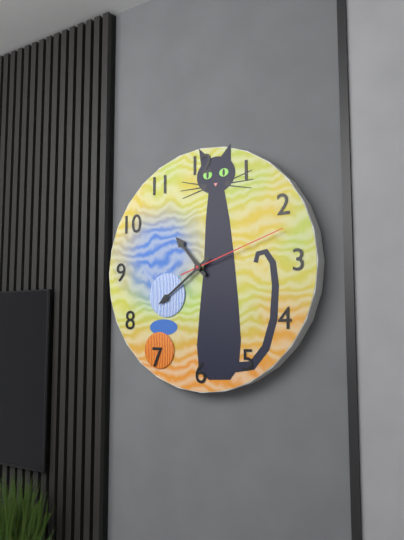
10 h 39 min 12 s
